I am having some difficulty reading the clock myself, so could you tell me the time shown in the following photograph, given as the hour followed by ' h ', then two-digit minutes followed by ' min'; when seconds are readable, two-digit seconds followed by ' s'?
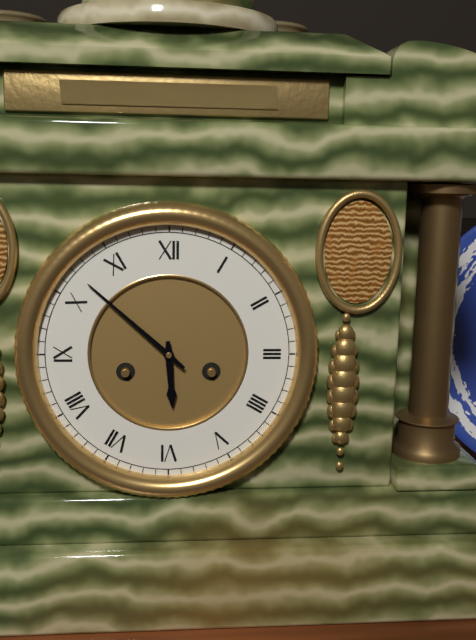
5 h 52 min
